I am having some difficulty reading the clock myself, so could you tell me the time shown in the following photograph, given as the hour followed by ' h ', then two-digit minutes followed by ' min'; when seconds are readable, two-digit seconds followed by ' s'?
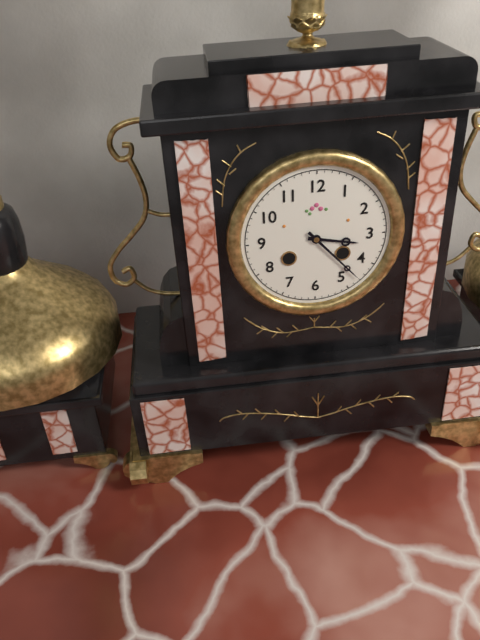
3 h 23 min
